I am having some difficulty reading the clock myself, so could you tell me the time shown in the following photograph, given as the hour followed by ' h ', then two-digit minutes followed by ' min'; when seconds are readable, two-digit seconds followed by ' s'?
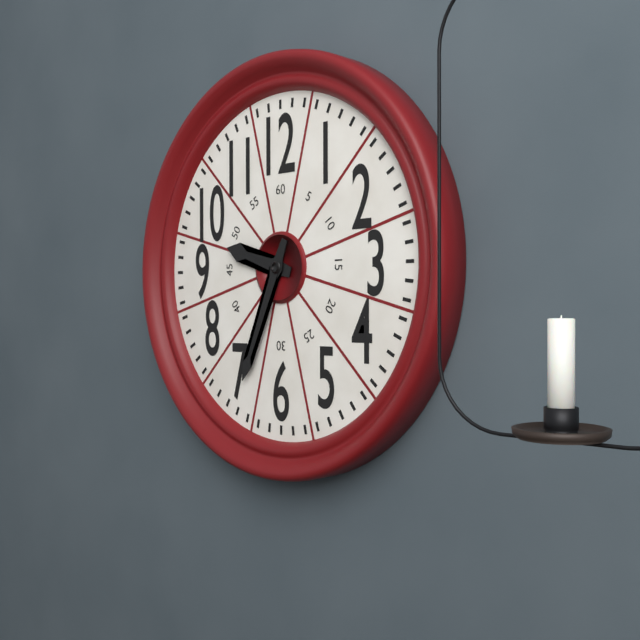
9 h 34 min
